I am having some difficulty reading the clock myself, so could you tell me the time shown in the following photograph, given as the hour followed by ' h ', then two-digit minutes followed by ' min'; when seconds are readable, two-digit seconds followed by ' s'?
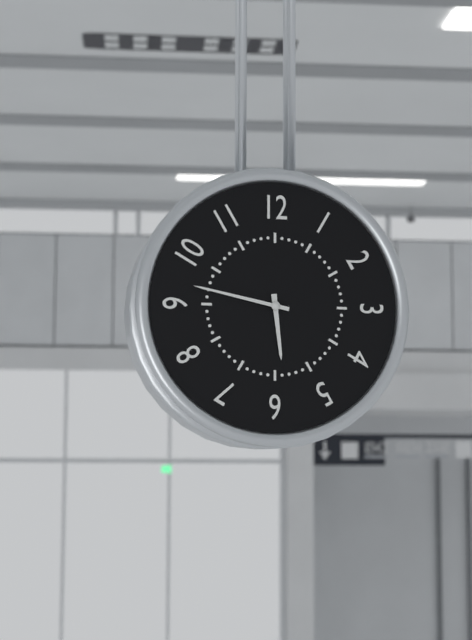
5 h 47 min
